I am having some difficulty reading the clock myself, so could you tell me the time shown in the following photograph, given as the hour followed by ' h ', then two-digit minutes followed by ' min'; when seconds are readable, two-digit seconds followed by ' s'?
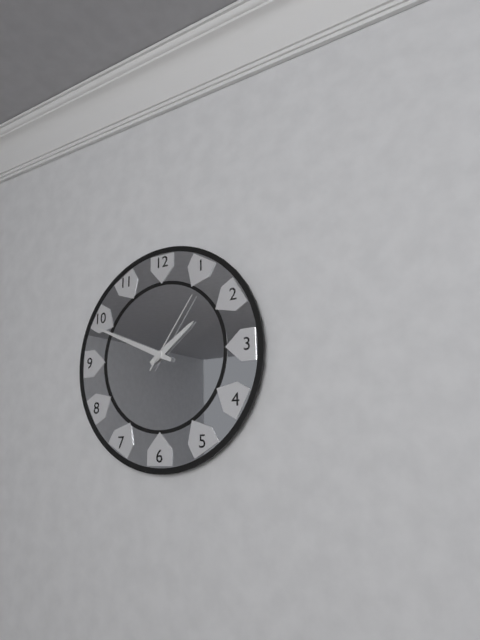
1 h 49 min 06 s
